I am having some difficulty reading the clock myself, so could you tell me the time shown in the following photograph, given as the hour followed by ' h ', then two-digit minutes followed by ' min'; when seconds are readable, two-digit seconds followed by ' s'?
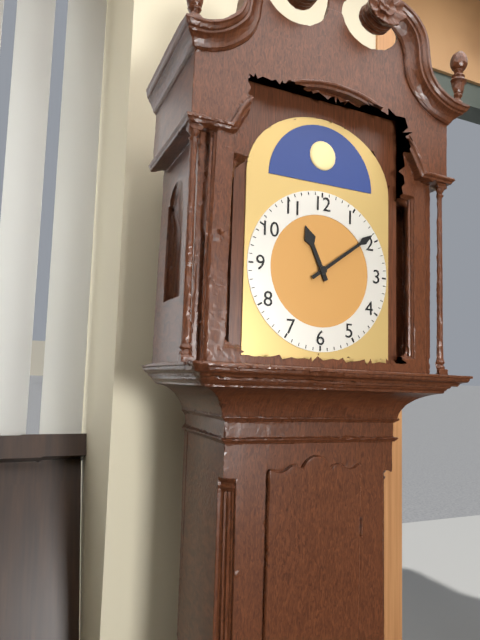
11 h 09 min
